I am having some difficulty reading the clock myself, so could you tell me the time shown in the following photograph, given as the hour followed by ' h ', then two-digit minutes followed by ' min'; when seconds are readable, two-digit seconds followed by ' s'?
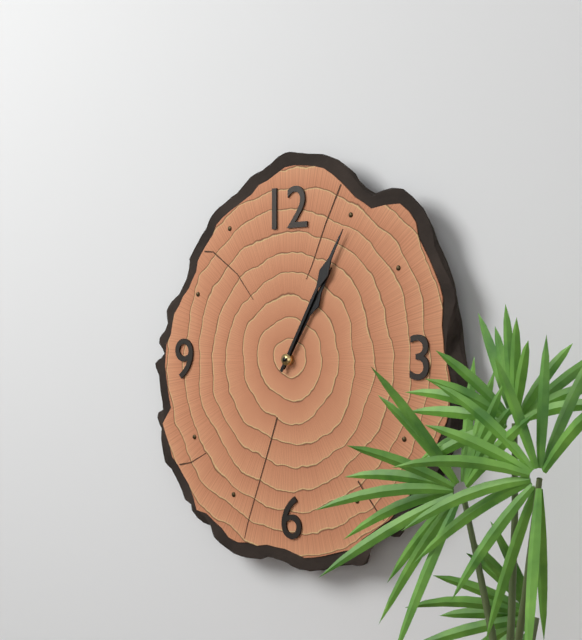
1 h 05 min
